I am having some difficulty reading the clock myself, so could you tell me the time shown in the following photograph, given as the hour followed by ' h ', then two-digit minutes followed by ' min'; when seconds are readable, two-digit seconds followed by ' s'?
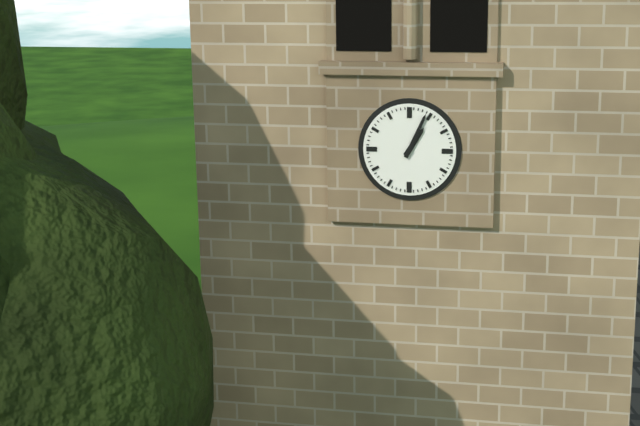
1 h 04 min
